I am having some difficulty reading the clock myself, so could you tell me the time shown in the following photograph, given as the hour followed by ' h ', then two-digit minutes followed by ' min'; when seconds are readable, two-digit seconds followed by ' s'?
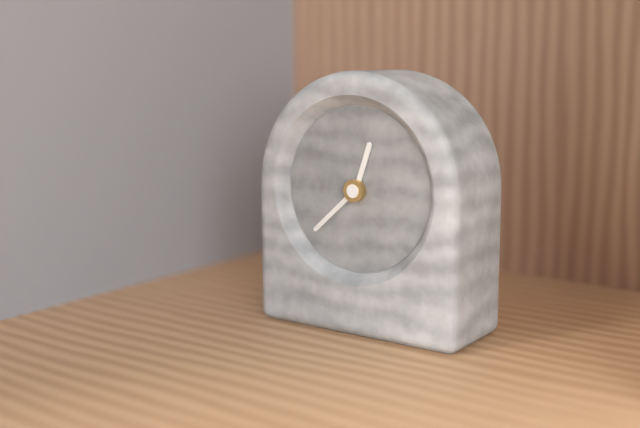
12 h 38 min
